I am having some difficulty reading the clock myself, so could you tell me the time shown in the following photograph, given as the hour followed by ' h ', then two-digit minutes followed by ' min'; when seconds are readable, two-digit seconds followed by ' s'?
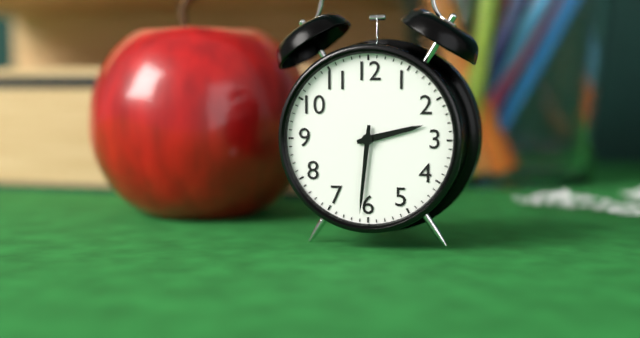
2 h 31 min
